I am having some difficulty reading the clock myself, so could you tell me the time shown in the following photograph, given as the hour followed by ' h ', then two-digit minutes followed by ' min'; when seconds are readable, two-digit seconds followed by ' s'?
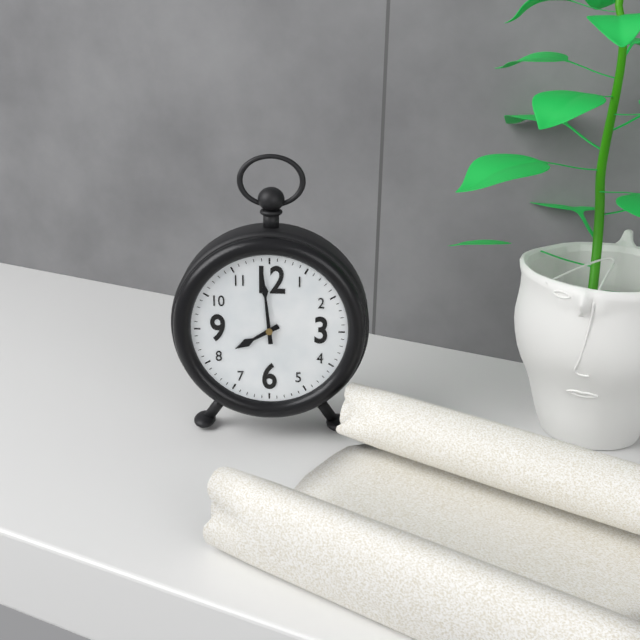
7 h 59 min
